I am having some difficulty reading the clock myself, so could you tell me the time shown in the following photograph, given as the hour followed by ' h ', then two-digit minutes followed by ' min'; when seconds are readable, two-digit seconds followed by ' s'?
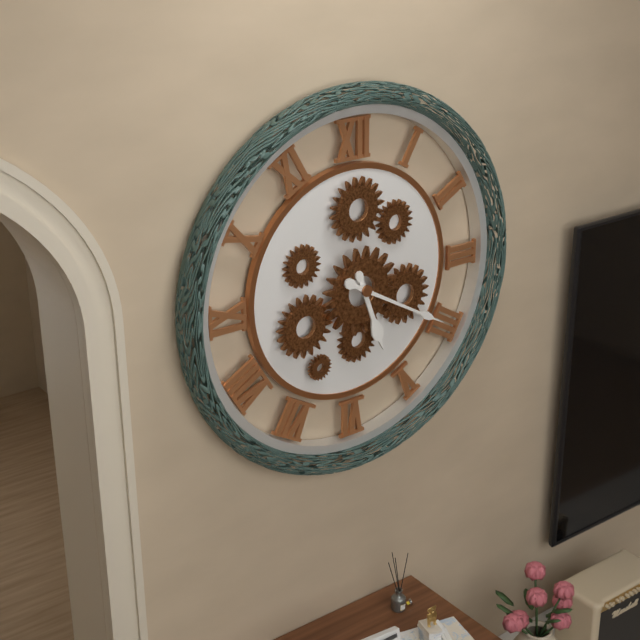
5 h 20 min
